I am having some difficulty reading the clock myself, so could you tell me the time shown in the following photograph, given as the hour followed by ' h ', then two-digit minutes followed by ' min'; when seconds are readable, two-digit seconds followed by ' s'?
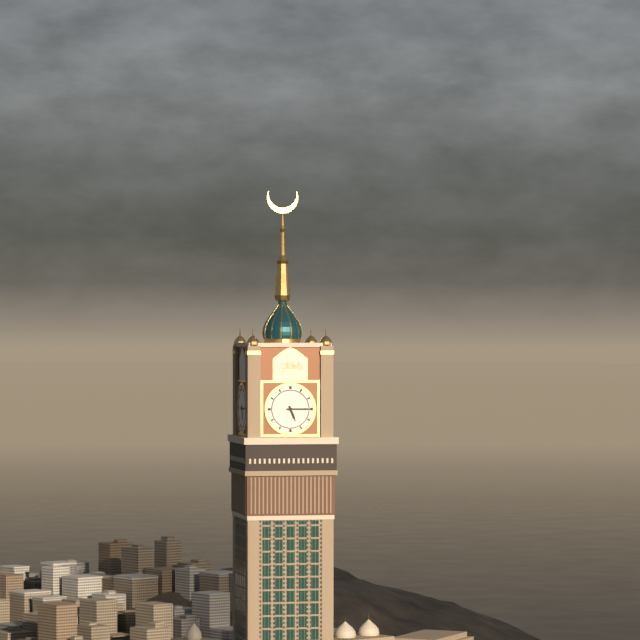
5 h 15 min
